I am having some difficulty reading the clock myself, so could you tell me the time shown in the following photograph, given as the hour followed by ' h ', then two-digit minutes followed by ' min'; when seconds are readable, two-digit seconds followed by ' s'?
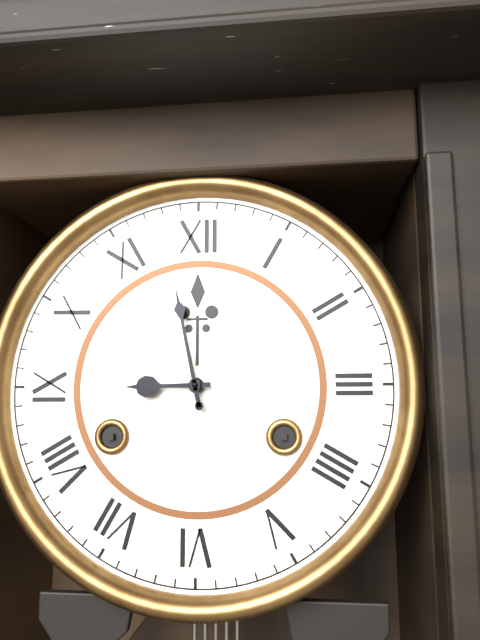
8 h 58 min
